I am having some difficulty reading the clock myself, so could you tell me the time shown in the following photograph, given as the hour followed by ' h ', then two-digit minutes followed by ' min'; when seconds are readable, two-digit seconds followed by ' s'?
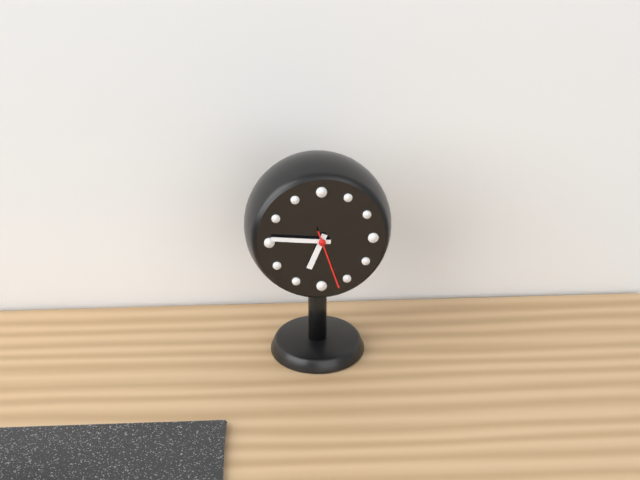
6 h 46 min 27 s
